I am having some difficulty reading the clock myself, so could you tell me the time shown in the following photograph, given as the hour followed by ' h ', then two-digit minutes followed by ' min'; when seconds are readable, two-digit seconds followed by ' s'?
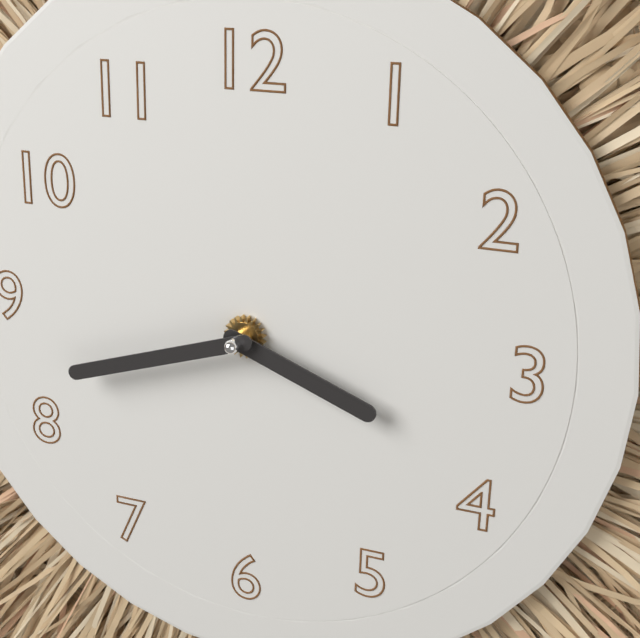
3 h 42 min
